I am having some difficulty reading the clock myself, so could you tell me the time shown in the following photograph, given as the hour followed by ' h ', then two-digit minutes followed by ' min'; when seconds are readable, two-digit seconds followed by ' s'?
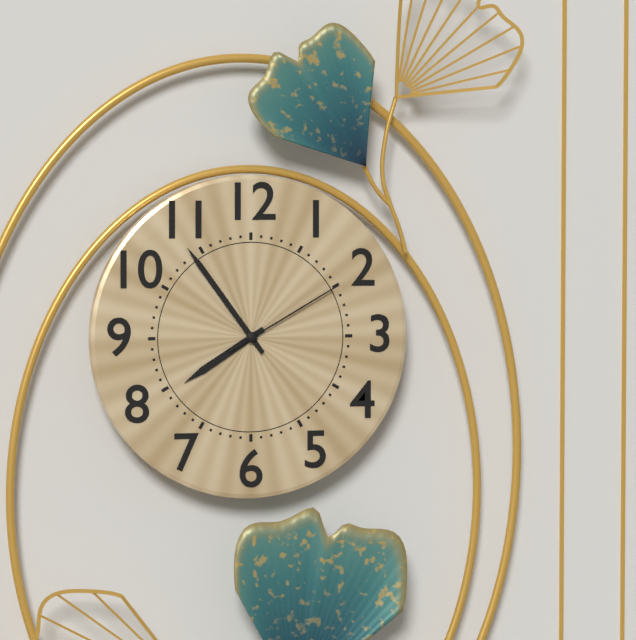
7 h 54 min 10 s
